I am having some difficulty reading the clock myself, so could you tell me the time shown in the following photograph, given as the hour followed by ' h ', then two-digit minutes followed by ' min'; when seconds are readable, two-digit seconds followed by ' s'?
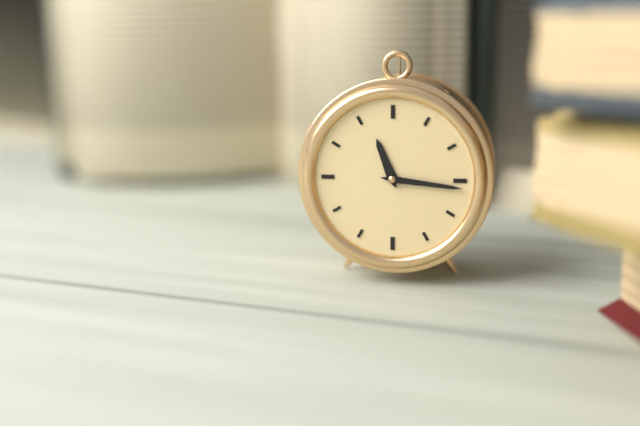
11 h 16 min
